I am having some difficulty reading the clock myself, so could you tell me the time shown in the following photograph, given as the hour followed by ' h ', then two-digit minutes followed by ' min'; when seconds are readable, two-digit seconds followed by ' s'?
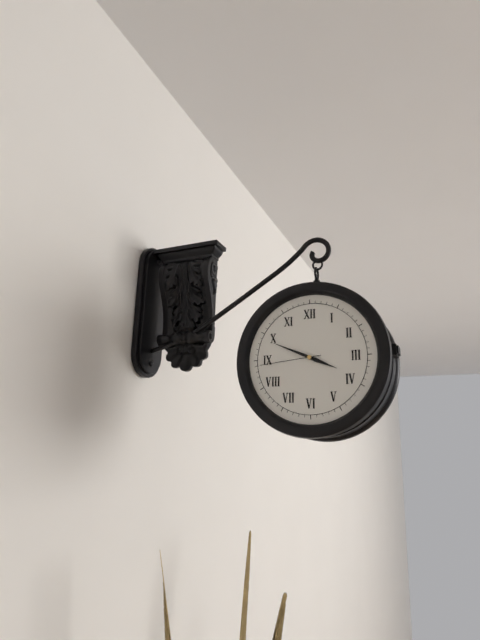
3 h 49 min 44 s
